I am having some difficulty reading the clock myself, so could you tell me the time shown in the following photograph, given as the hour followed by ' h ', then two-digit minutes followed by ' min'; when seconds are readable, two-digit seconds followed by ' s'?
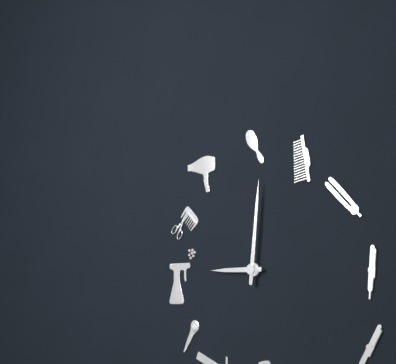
9 h 01 min
